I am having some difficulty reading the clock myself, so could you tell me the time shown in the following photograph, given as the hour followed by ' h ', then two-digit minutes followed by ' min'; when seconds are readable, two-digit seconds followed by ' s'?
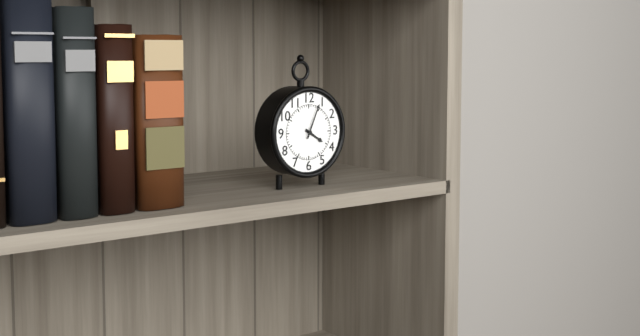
4 h 04 min
